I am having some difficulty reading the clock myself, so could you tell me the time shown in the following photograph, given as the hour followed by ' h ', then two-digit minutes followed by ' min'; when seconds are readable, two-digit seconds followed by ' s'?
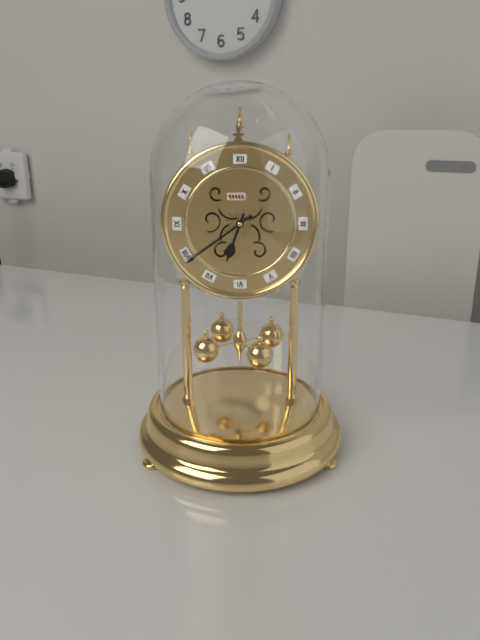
6 h 39 min
